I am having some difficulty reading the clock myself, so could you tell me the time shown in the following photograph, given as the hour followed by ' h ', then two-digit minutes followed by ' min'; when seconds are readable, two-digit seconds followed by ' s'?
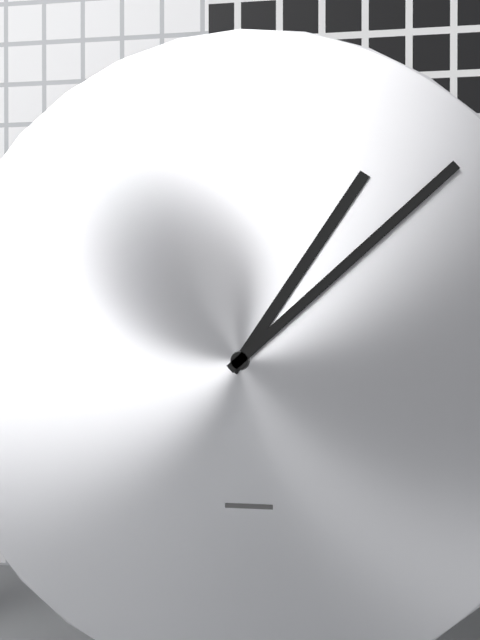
1 h 08 min
